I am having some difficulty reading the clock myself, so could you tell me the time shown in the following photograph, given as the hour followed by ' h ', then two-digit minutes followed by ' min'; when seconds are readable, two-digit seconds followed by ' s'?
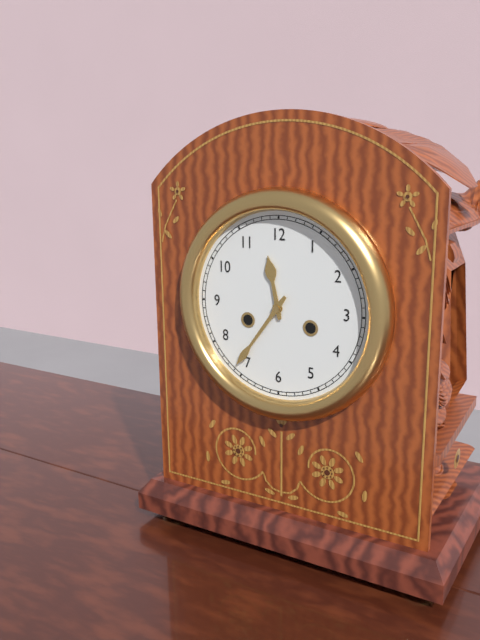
11 h 36 min
